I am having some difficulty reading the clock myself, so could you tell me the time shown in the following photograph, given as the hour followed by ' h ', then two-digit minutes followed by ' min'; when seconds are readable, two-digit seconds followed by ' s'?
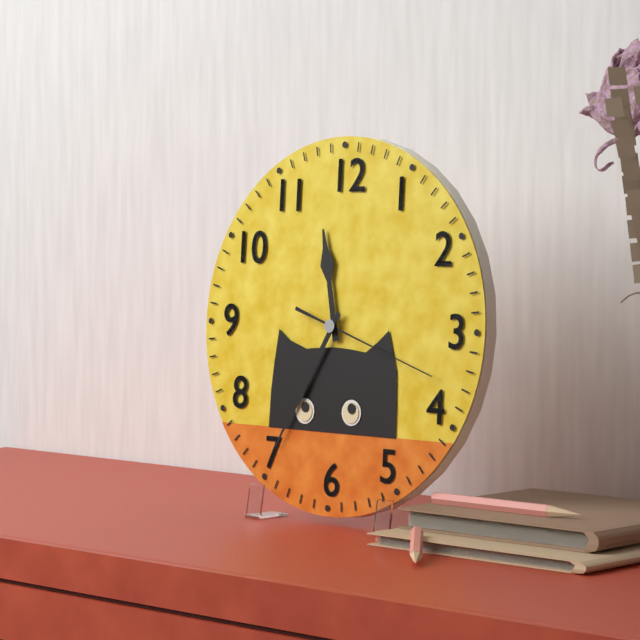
11 h 35 min 18 s
